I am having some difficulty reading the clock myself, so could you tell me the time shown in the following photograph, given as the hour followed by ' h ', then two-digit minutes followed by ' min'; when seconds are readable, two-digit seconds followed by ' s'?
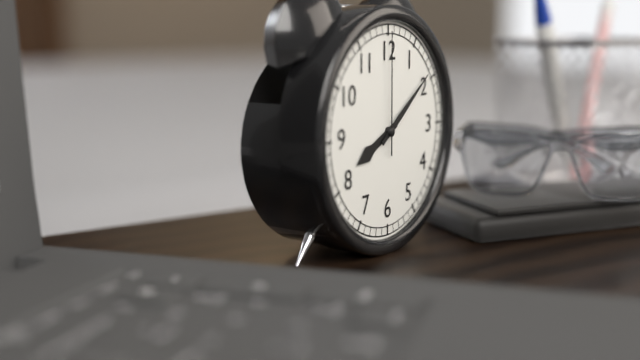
8 h 09 min 00 s
